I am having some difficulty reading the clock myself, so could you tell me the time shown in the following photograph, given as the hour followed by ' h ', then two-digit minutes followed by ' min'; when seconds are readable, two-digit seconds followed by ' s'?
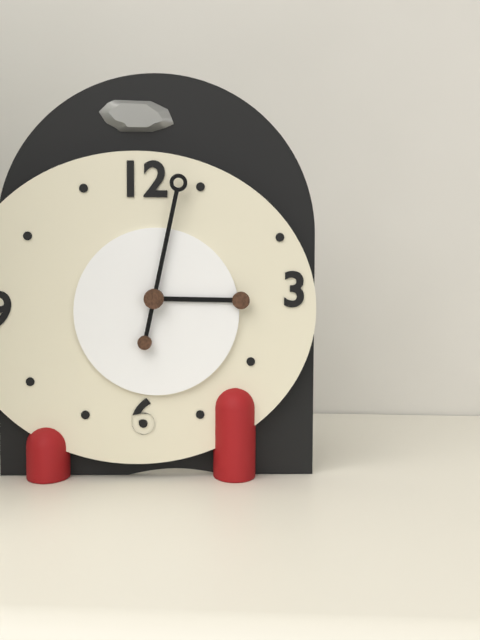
3 h 02 min
